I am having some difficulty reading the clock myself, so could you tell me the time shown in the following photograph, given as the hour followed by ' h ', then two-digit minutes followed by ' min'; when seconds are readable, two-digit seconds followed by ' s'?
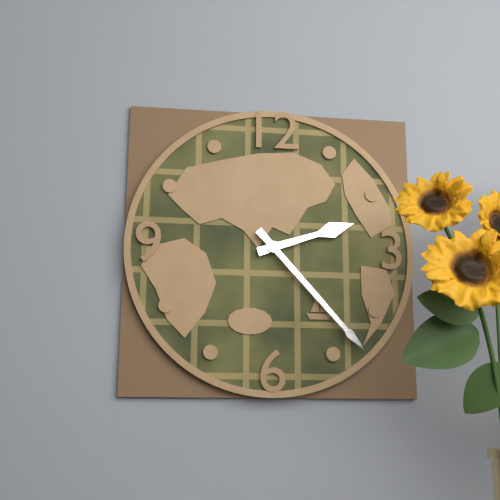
2 h 23 min
